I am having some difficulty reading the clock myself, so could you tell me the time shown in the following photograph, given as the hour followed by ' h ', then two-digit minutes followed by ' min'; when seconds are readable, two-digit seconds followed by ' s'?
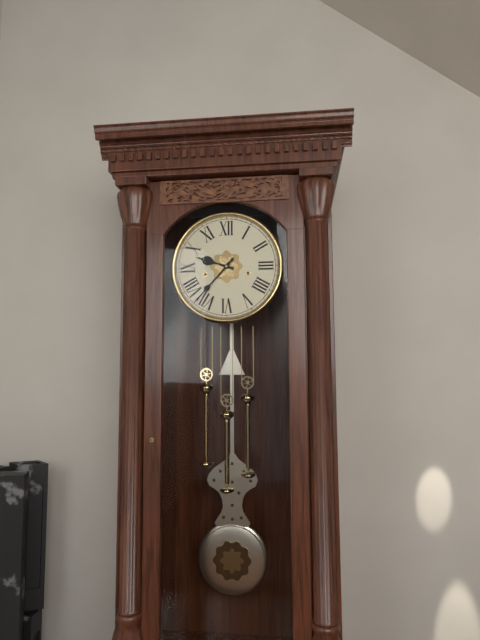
9 h 37 min
